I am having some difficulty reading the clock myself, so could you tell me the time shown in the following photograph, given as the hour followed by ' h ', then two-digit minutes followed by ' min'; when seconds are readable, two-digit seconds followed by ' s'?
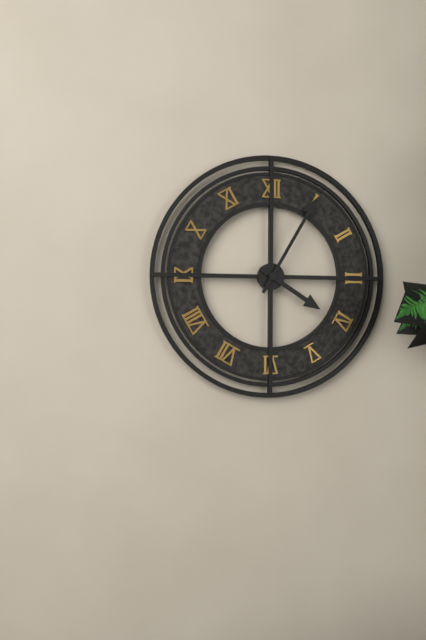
4 h 05 min
